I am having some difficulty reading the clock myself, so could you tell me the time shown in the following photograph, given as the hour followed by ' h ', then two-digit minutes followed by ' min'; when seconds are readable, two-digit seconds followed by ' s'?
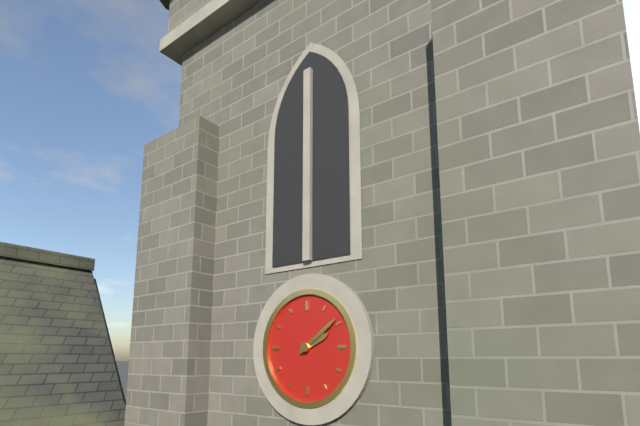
2 h 09 min
